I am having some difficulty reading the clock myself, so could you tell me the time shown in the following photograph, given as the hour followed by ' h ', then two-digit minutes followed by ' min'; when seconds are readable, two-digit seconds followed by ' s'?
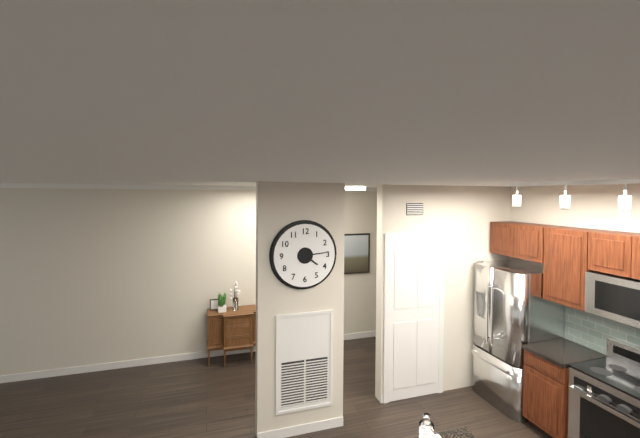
4 h 14 min
